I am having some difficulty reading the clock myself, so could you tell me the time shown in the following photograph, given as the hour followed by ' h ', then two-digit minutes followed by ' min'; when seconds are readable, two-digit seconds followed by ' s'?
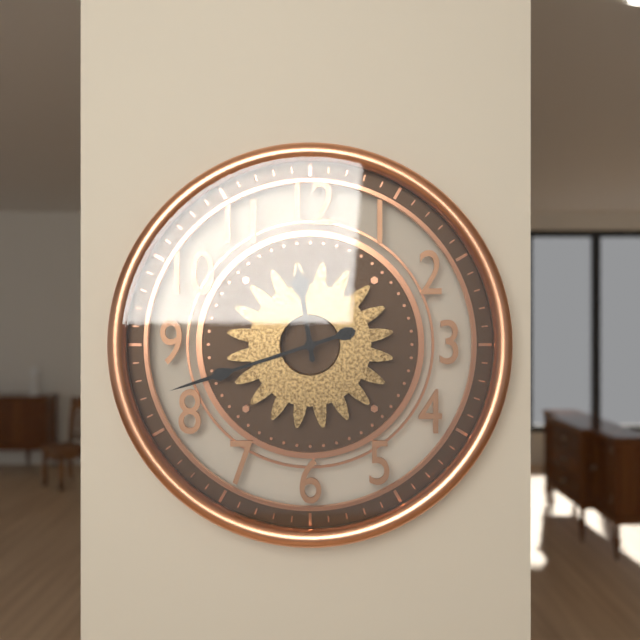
11 h 42 min
